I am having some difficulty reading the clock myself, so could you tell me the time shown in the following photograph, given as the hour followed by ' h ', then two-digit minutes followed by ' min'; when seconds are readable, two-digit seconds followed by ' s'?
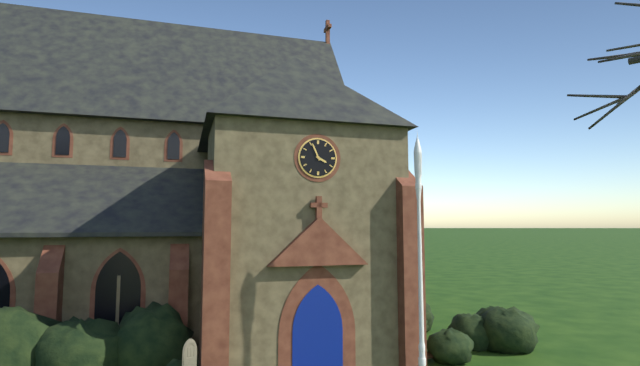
3 h 56 min
